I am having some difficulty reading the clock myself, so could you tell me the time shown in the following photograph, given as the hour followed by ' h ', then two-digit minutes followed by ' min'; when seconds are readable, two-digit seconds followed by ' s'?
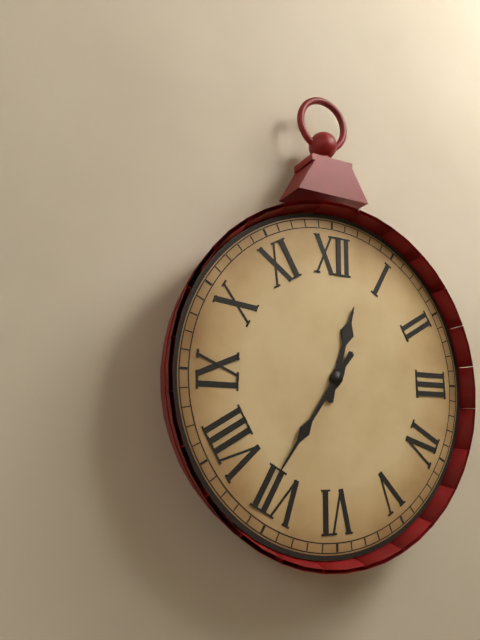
12 h 36 min
